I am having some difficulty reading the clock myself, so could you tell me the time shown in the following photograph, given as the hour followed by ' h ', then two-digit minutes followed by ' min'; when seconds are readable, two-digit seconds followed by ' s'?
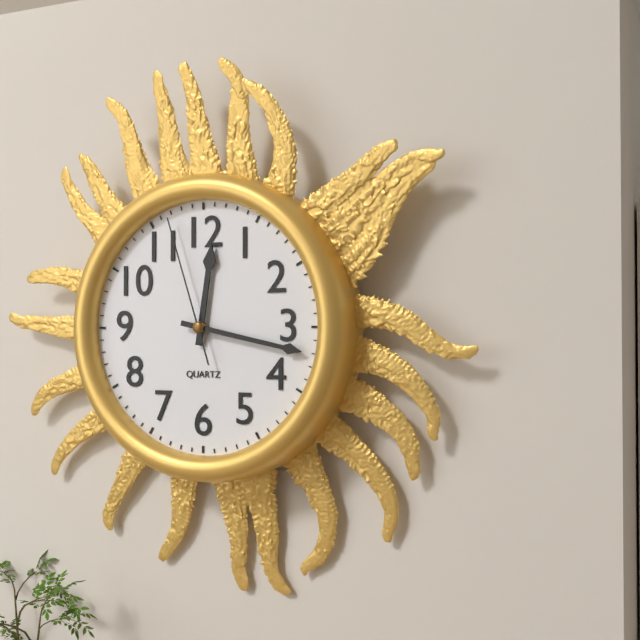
12 h 17 min 57 s
